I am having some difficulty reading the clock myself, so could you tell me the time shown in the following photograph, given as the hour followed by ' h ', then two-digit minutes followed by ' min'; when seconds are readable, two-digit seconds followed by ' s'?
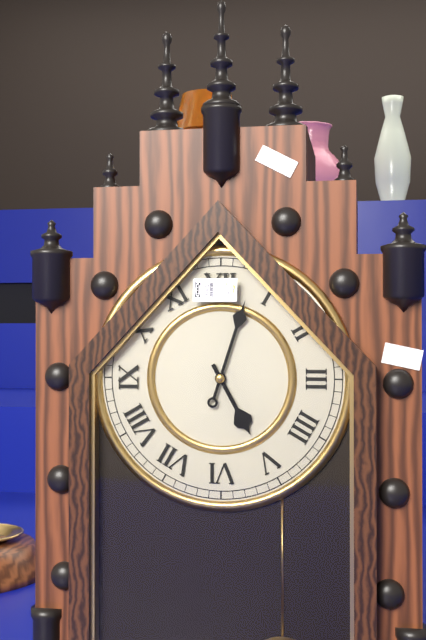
5 h 03 min
